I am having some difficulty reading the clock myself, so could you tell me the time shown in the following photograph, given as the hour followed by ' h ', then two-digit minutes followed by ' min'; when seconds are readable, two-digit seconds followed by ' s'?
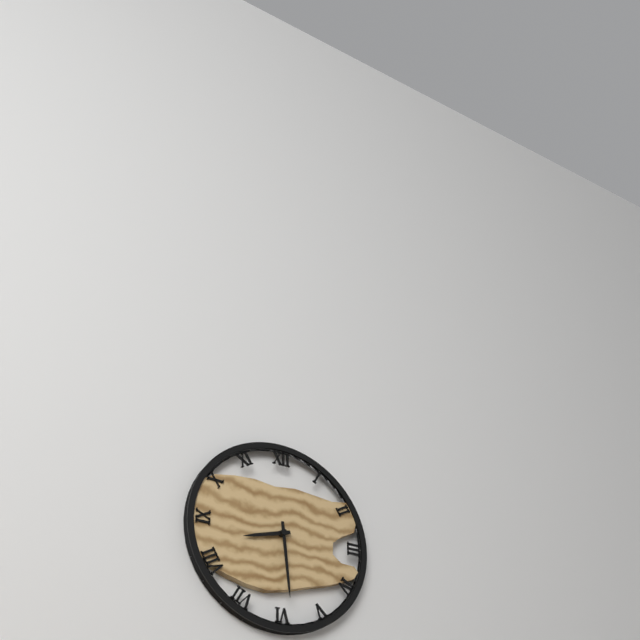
8 h 29 min
